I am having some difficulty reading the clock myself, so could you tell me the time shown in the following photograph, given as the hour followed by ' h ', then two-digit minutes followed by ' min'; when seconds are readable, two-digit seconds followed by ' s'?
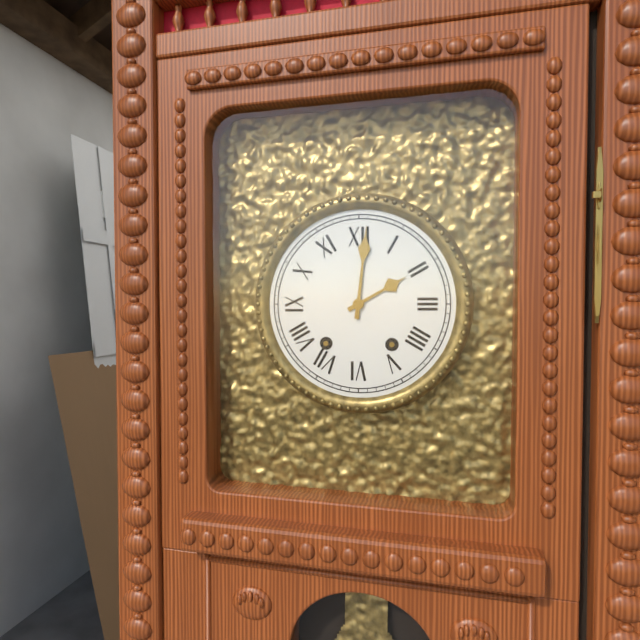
2 h 01 min
